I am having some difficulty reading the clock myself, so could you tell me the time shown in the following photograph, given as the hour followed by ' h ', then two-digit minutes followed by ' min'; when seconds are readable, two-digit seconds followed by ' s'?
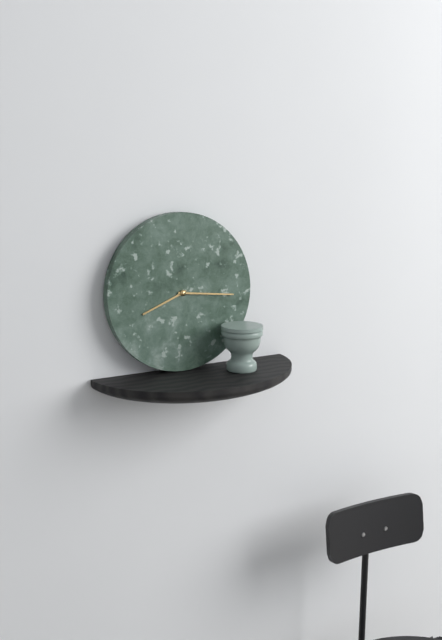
8 h 16 min
